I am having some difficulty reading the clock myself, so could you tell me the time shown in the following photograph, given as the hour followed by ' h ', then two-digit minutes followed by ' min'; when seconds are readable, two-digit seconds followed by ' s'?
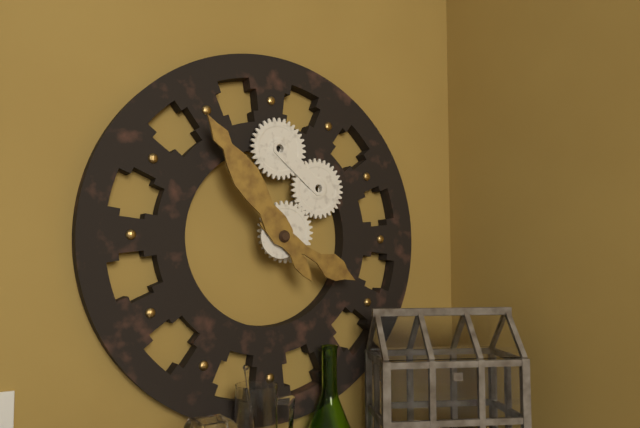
3 h 54 min
